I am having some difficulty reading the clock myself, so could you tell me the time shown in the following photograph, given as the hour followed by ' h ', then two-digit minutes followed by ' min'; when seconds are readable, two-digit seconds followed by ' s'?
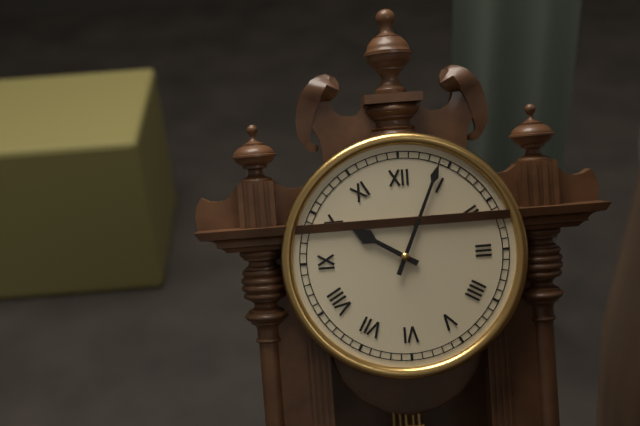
10 h 04 min
